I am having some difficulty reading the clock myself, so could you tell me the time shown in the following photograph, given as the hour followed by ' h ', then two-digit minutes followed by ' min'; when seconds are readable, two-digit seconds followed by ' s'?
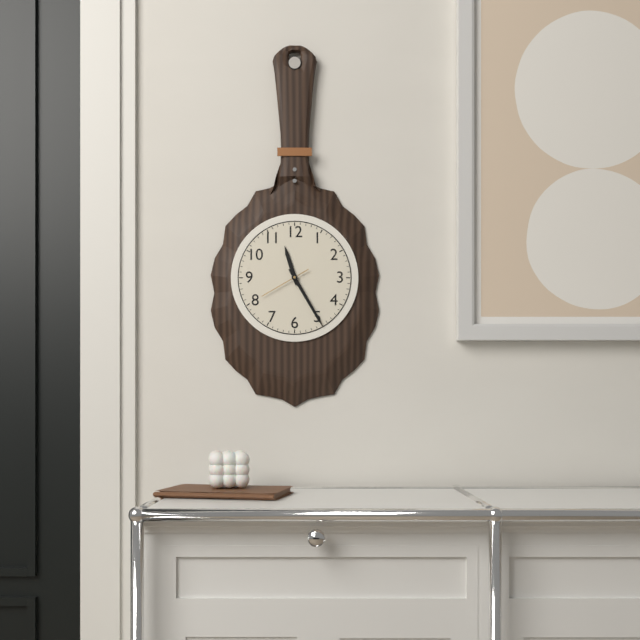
11 h 25 min
